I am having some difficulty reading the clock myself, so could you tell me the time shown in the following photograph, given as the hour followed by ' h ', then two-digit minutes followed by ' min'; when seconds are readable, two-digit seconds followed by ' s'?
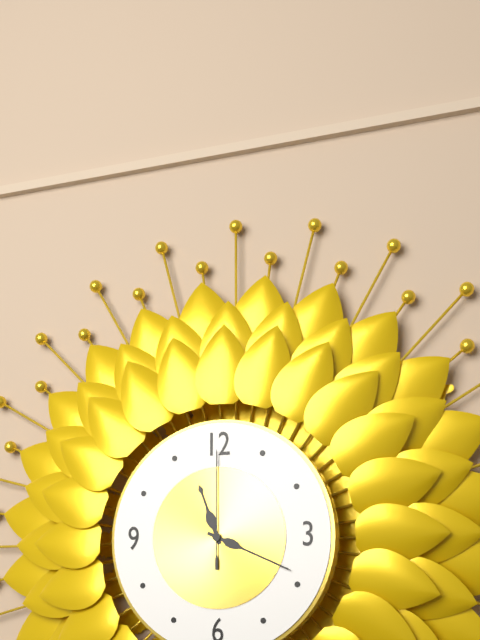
11 h 19 min 00 s
